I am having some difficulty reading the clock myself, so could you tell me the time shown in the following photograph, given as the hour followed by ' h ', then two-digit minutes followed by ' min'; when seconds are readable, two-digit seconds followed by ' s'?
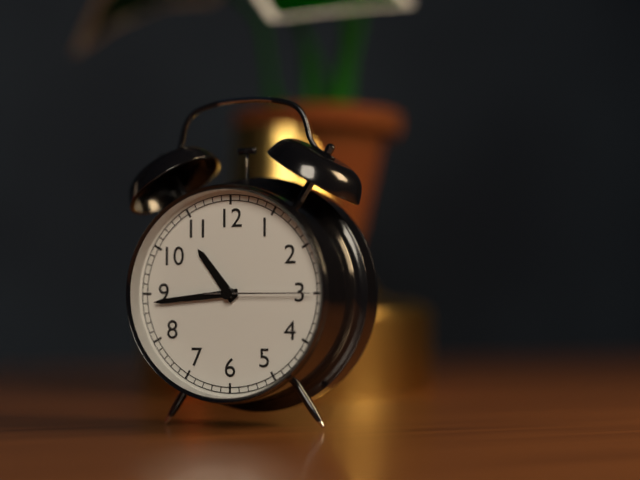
10 h 44 min 15 s
